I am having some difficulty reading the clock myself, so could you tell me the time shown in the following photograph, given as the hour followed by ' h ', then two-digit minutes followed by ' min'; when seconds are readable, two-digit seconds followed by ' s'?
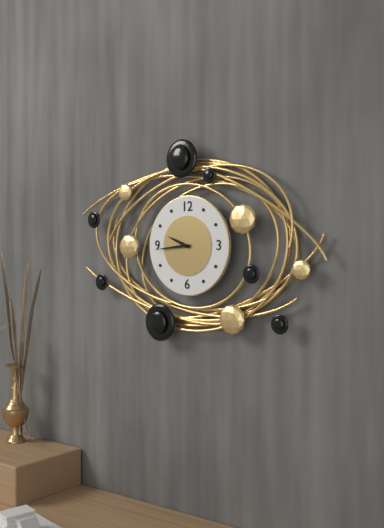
9 h 44 min
